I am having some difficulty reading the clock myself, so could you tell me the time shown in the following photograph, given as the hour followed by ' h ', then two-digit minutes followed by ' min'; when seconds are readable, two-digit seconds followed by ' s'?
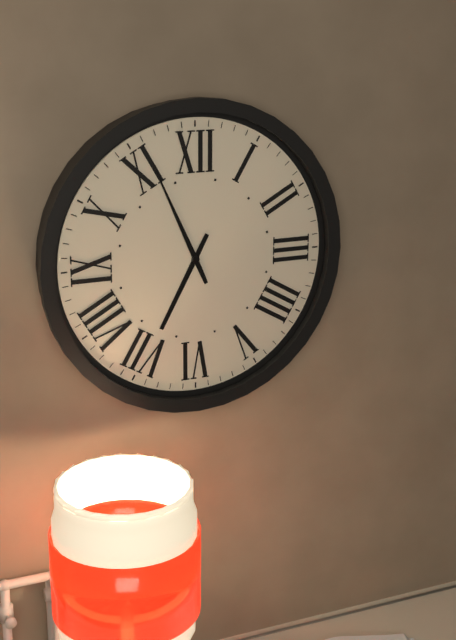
6 h 56 min
